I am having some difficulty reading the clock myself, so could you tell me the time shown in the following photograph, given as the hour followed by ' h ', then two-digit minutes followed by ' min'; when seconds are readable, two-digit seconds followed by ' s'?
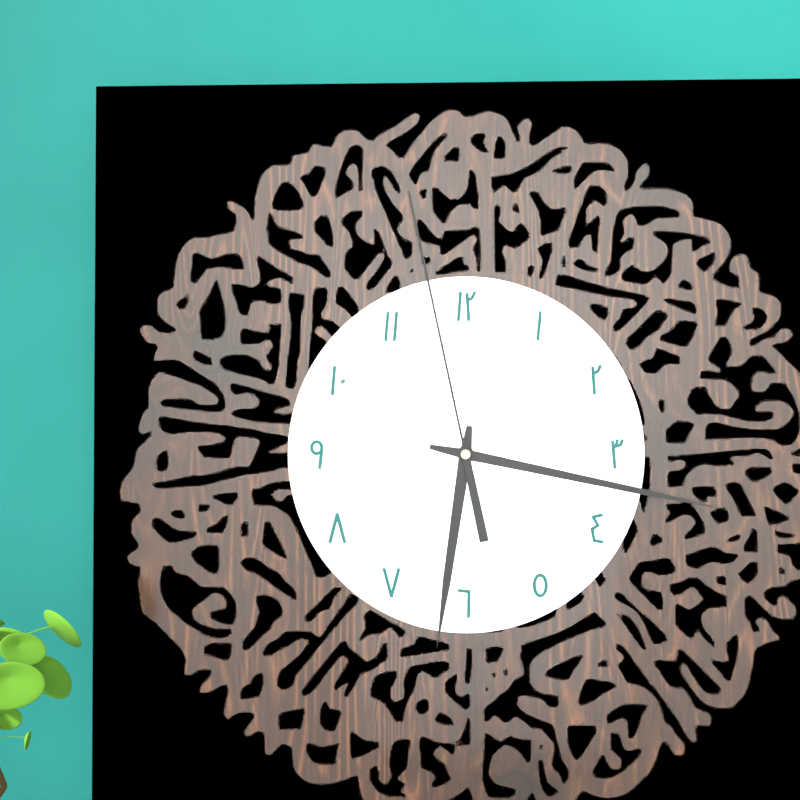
6 h 17 min 58 s
